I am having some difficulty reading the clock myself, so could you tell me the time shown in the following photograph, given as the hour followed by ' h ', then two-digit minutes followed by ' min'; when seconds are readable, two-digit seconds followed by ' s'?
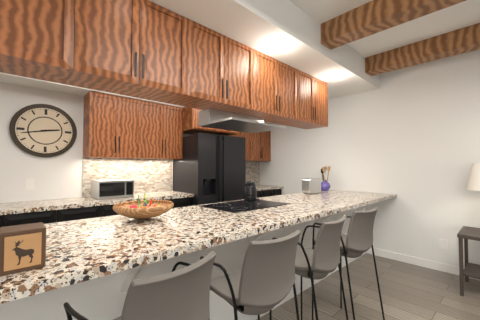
2 h 43 min
